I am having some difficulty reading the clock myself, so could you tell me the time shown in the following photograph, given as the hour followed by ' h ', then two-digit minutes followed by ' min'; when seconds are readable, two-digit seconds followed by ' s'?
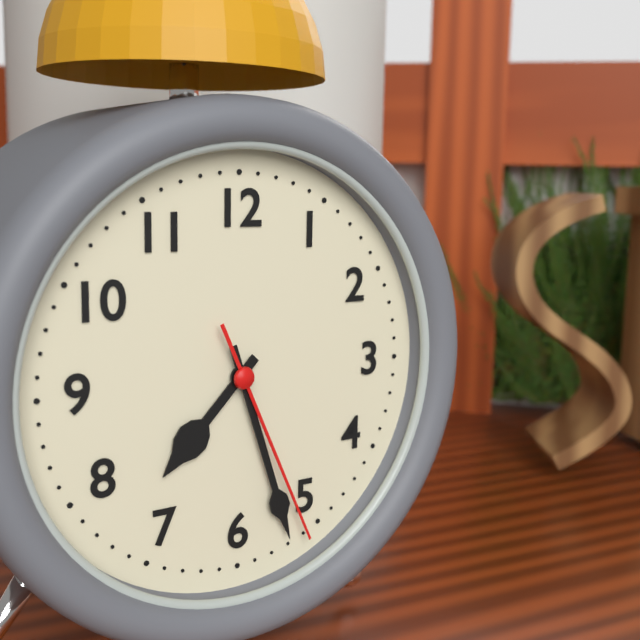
7 h 27 min 26 s
